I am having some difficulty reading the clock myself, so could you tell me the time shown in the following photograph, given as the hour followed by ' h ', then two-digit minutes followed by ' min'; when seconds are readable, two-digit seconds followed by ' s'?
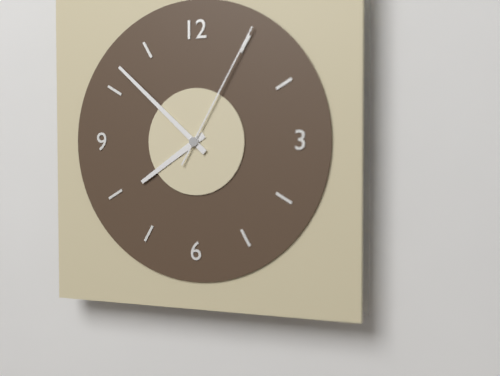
7 h 52 min 05 s
